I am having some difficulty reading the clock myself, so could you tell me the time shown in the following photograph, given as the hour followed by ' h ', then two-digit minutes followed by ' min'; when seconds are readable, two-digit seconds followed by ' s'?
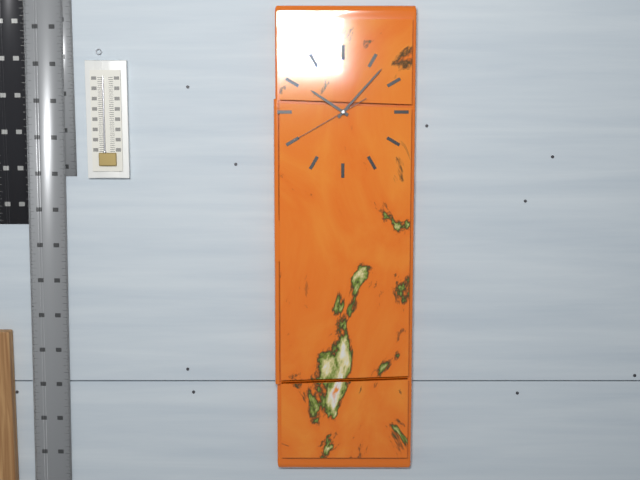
10 h 07 min 40 s
